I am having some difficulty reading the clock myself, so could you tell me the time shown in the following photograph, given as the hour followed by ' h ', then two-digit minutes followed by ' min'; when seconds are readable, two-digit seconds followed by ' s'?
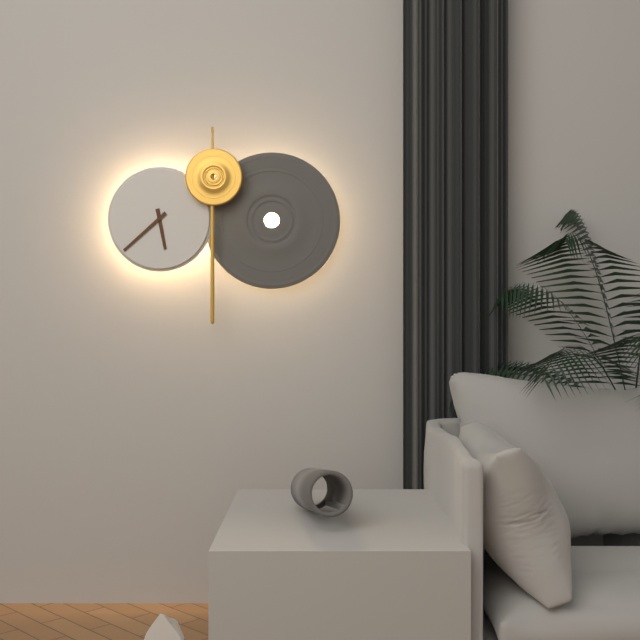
5 h 38 min
